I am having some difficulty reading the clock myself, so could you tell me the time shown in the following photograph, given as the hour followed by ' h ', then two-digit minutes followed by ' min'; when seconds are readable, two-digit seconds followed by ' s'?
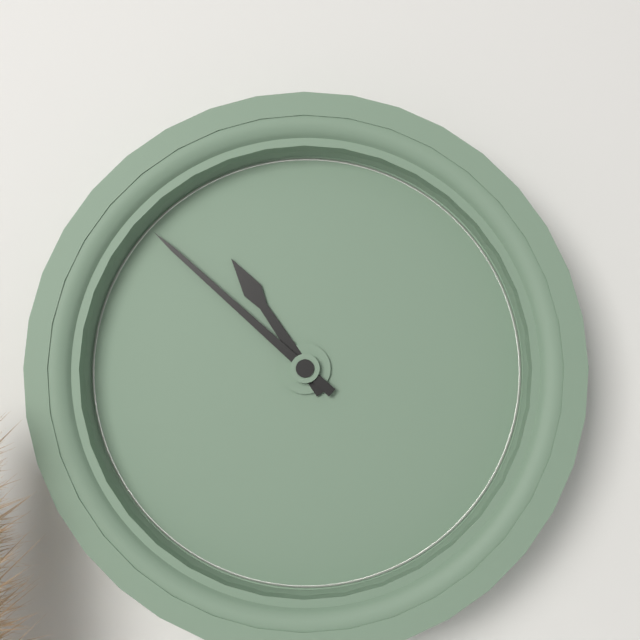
10 h 52 min
